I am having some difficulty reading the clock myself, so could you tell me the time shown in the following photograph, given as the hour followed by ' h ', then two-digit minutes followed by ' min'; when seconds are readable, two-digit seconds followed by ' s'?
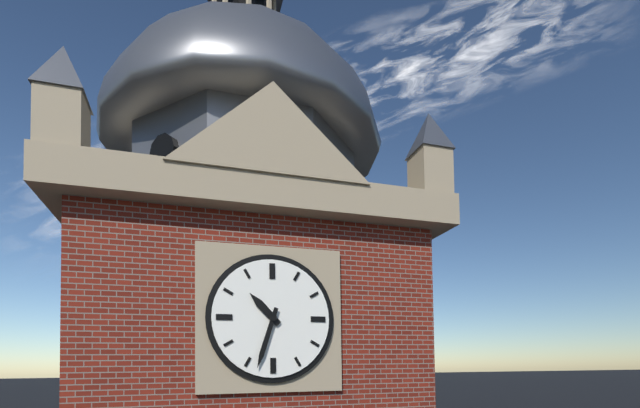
10 h 33 min
